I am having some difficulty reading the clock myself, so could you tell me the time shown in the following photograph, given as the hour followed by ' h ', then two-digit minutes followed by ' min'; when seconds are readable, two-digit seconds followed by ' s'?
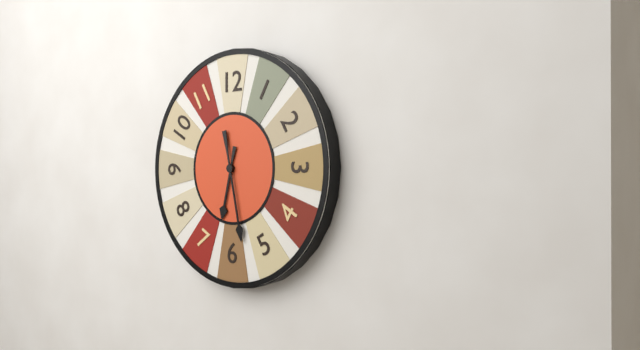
6 h 28 min
